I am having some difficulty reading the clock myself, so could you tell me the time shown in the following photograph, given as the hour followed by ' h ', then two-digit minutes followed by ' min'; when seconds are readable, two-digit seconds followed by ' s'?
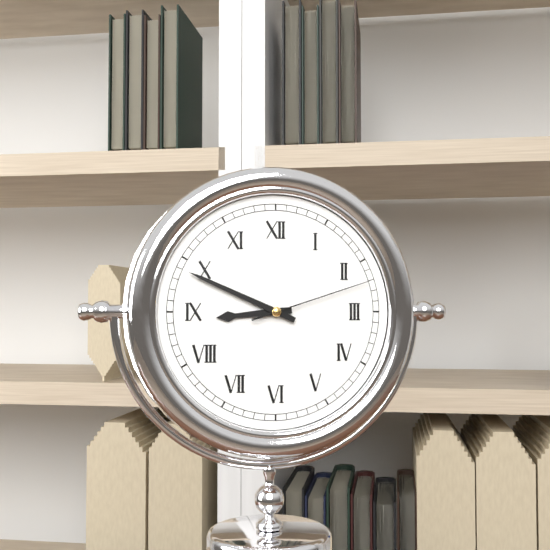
8 h 49 min 12 s
